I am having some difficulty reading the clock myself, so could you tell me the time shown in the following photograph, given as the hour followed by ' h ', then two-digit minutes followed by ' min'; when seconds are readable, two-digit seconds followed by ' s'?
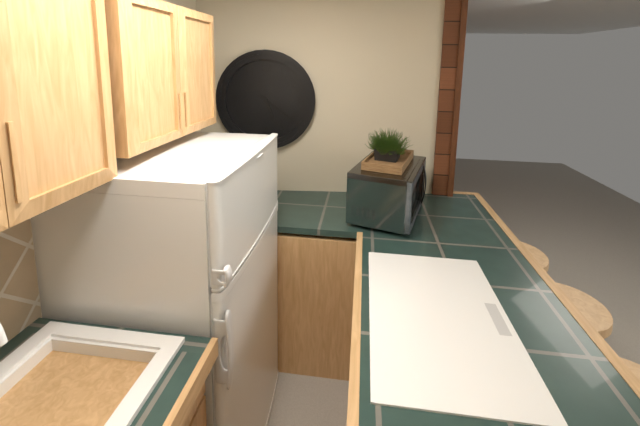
5 h 21 min
